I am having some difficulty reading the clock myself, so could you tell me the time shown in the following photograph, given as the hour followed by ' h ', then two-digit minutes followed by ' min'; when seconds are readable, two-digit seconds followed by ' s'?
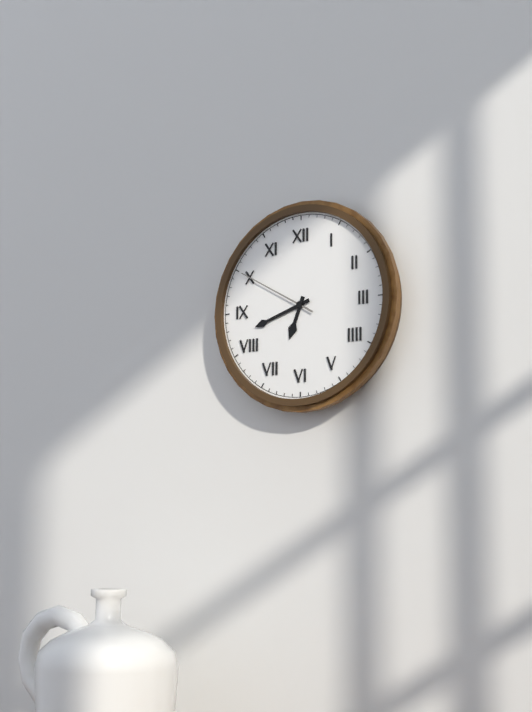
6 h 42 min 50 s
